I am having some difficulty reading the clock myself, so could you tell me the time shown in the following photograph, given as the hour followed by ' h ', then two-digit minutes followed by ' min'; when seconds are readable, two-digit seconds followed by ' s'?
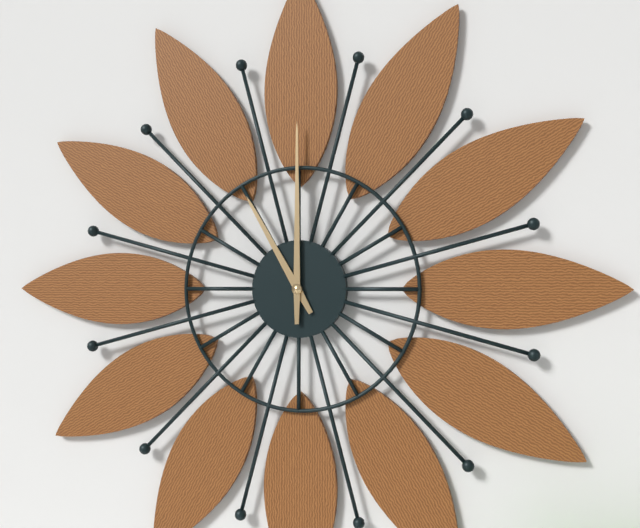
11 h 00 min
